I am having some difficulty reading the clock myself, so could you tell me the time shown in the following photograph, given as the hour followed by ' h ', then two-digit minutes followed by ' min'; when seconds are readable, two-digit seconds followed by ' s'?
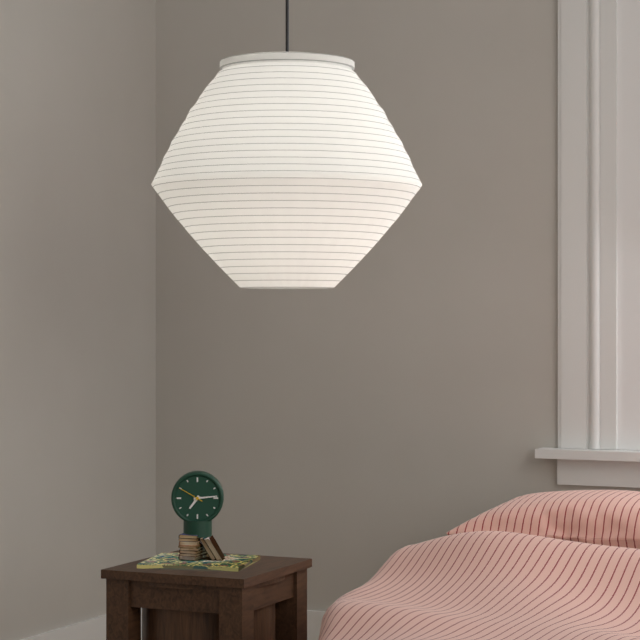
7 h 14 min
